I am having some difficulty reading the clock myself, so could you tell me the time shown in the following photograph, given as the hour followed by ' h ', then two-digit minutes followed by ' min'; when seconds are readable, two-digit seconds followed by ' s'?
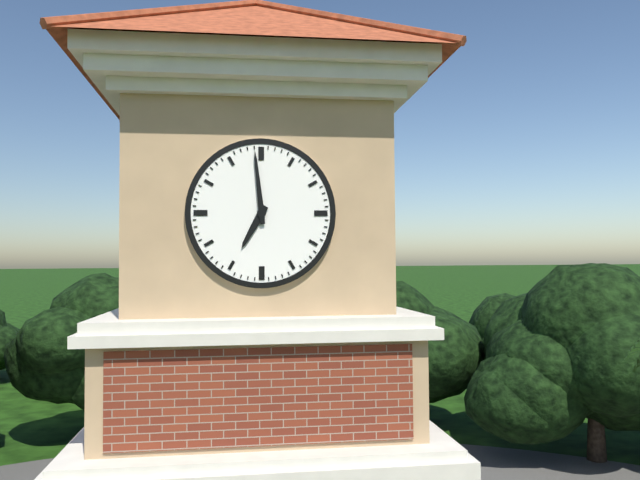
6 h 59 min
